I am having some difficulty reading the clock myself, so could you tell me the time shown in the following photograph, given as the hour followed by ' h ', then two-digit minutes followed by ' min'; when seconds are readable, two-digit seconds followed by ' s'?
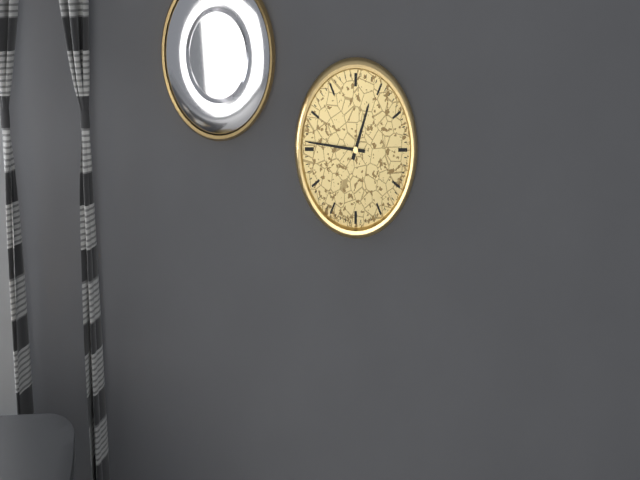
12 h 46 min
